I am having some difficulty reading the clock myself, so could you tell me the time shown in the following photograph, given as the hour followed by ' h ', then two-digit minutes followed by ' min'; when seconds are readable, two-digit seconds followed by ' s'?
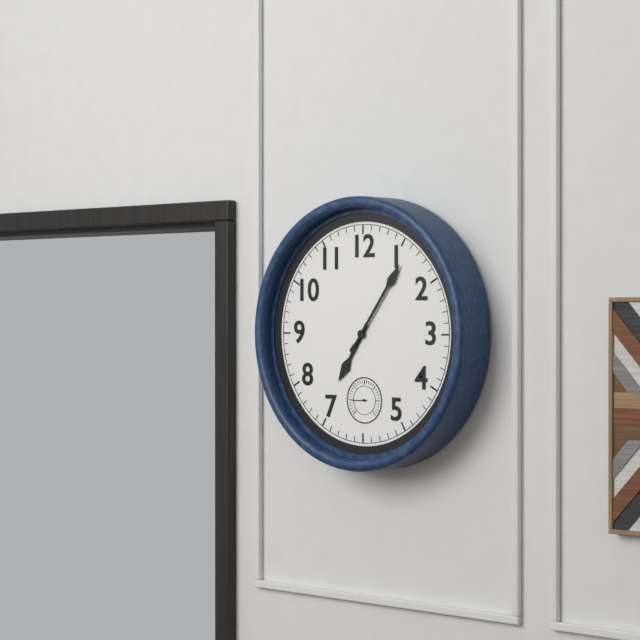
7 h 06 min
